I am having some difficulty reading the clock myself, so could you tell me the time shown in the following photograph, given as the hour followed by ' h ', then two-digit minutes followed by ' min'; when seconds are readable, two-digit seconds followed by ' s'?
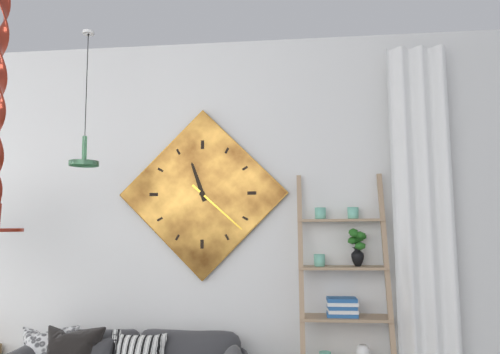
11 h 22 min
